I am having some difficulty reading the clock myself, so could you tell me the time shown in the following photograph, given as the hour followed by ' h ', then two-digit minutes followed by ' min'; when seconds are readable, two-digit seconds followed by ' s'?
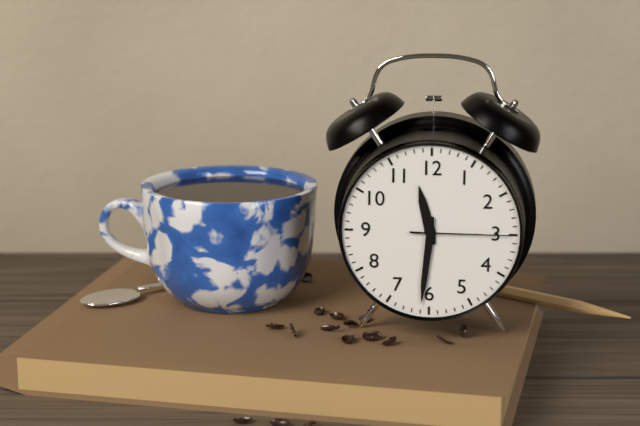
11 h 31 min 15 s
